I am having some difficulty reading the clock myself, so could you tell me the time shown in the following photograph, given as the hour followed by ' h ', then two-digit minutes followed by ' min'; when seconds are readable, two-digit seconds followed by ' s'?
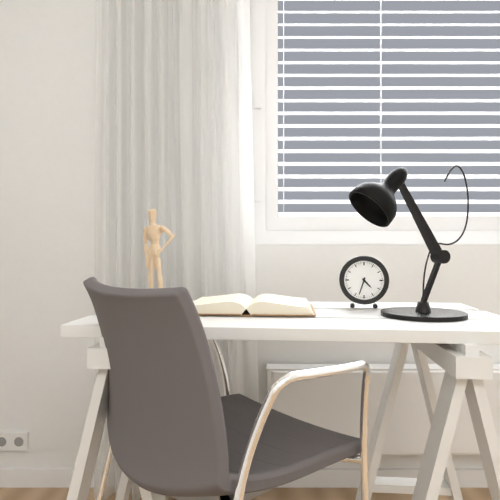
4 h 33 min
